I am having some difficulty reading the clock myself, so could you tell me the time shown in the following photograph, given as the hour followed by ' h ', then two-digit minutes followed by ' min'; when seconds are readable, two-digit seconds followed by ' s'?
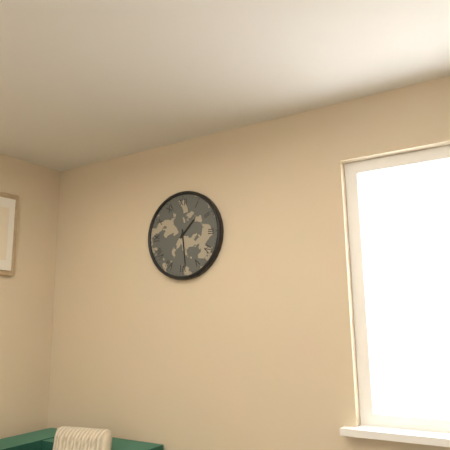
1 h 29 min
